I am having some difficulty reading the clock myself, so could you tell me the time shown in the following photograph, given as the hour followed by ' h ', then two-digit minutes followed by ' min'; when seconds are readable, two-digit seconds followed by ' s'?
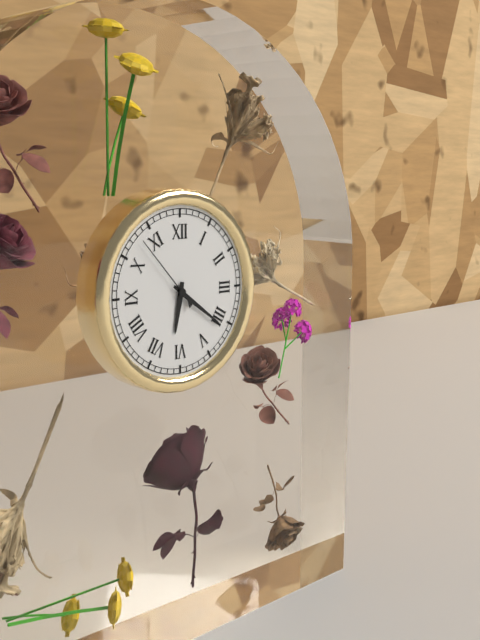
6 h 21 min 53 s
